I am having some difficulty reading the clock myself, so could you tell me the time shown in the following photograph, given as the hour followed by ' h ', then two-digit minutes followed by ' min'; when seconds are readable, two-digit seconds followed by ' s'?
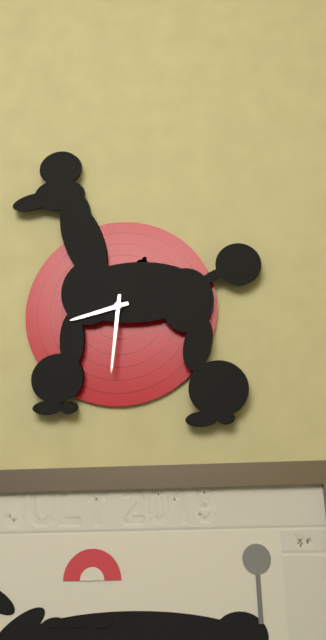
8 h 31 min
